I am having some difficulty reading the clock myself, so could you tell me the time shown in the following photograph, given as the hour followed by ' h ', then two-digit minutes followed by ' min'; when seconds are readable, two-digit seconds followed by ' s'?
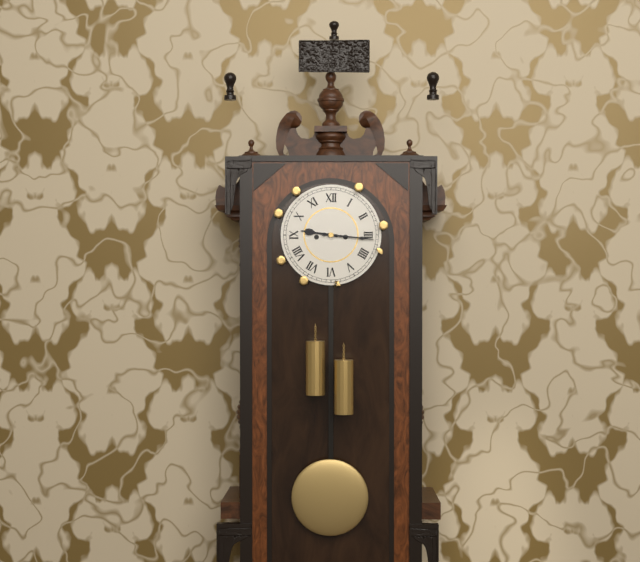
9 h 16 min
